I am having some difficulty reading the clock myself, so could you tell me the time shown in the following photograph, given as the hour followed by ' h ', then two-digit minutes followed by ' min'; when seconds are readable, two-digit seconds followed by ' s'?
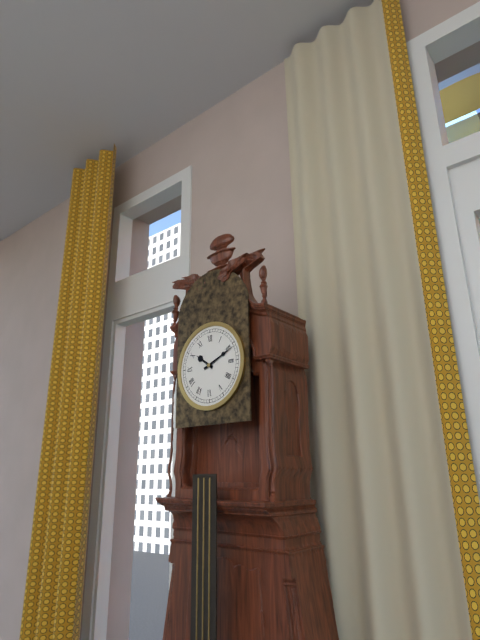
10 h 11 min
